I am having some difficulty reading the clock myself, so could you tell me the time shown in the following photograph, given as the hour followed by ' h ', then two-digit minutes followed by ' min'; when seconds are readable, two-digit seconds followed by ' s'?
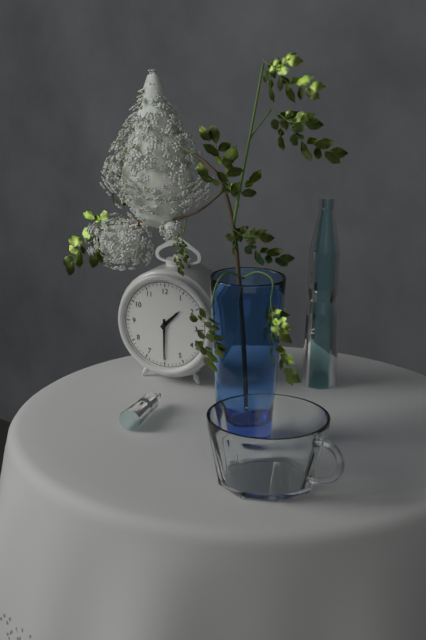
1 h 30 min
